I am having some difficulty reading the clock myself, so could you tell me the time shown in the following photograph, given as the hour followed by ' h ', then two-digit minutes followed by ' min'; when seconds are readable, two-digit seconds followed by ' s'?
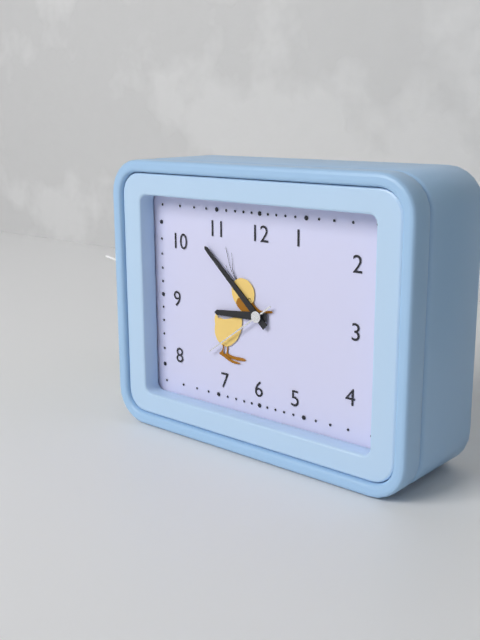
8 h 52 min 39 s
